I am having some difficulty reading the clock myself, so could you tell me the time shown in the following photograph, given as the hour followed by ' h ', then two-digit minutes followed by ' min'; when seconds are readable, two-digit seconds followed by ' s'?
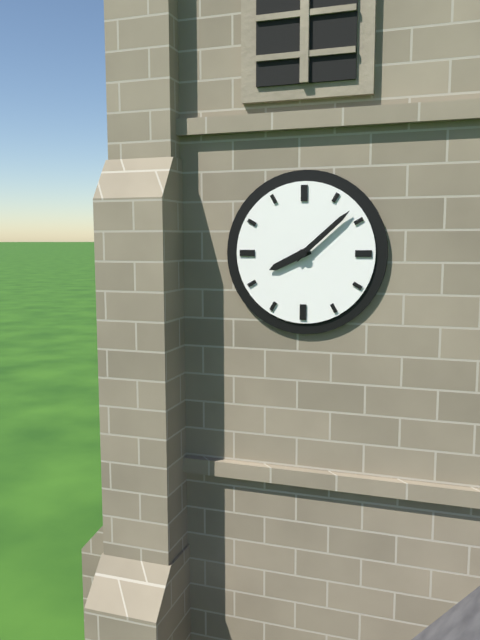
8 h 08 min
